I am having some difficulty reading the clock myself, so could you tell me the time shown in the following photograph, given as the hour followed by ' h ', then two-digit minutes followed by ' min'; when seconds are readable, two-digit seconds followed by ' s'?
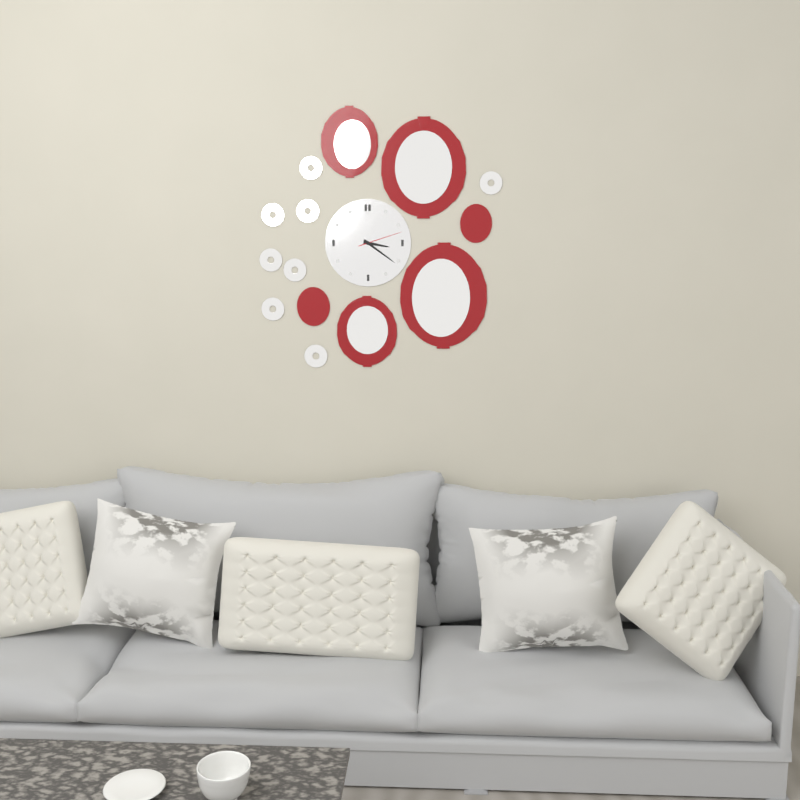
3 h 21 min
